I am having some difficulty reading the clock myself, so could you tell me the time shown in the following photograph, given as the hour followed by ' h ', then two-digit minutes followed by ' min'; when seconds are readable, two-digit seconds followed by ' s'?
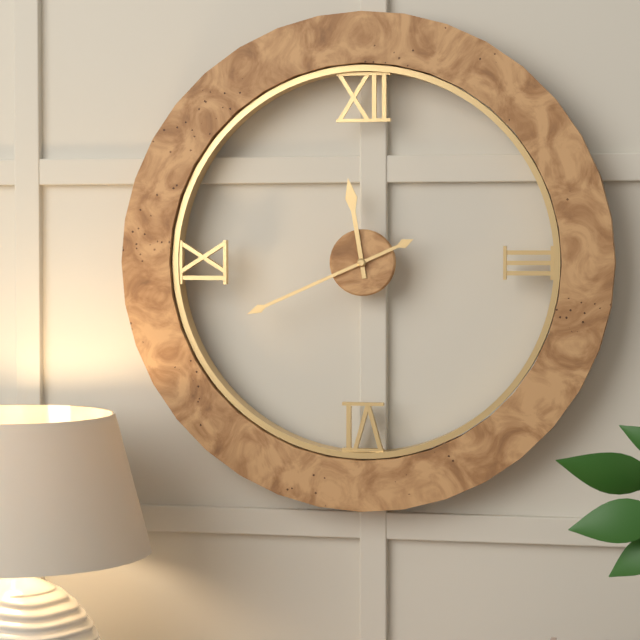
11 h 41 min
